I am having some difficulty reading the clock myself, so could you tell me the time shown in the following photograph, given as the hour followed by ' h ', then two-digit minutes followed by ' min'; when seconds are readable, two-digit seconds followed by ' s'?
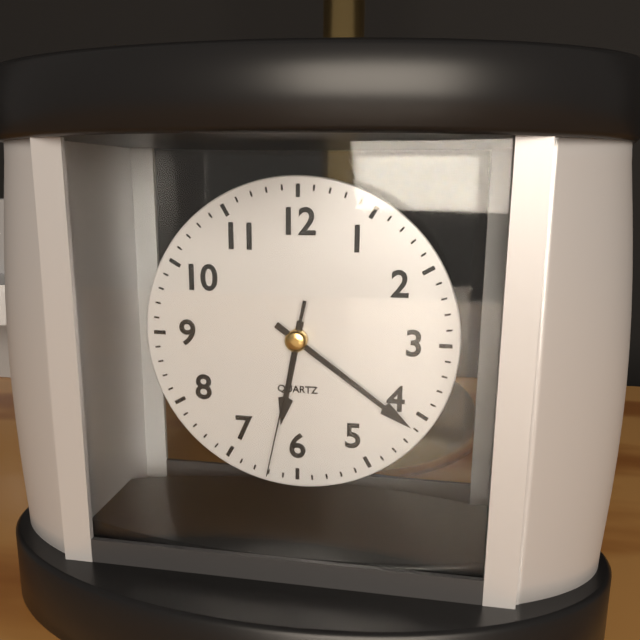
6 h 21 min 32 s
